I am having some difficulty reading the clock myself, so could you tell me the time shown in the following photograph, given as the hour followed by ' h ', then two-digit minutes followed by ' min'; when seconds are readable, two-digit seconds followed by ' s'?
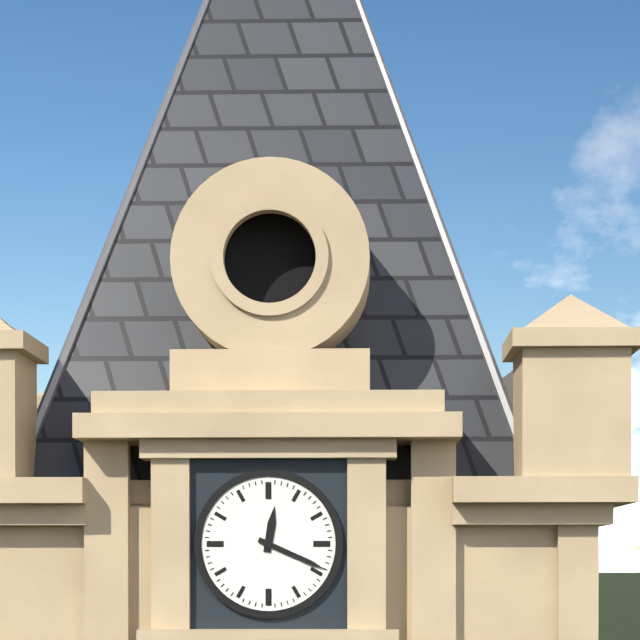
12 h 19 min
